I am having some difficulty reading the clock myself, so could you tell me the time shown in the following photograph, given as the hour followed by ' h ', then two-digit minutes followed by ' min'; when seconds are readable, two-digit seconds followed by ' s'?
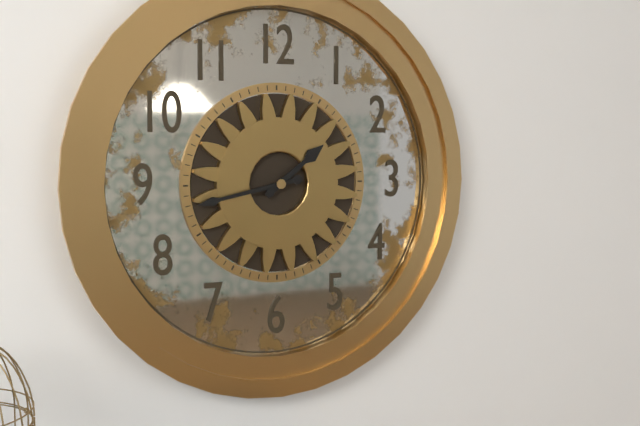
1 h 43 min
